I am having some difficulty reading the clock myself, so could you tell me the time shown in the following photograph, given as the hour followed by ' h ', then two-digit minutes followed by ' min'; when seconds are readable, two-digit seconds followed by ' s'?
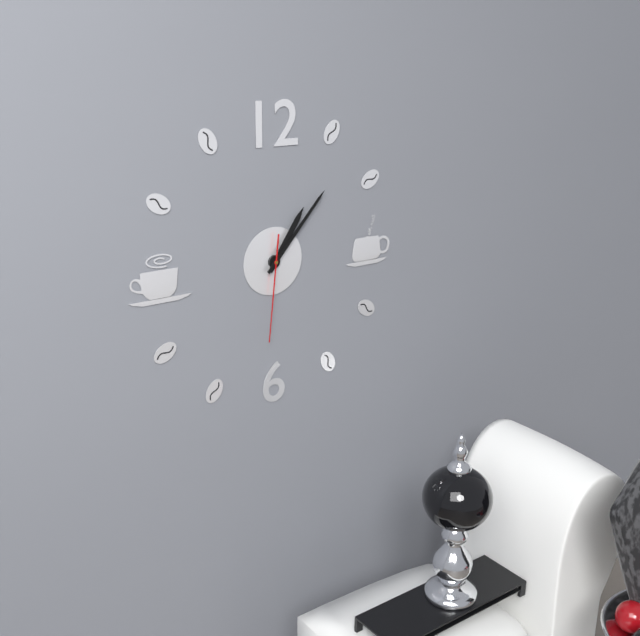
1 h 07 min 31 s
